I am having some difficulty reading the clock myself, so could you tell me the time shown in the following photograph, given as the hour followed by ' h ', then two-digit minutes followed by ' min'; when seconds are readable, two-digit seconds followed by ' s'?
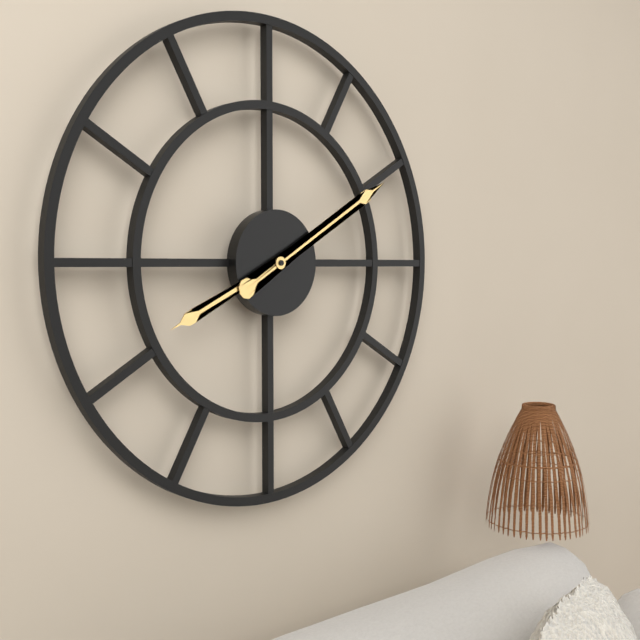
8 h 10 min
